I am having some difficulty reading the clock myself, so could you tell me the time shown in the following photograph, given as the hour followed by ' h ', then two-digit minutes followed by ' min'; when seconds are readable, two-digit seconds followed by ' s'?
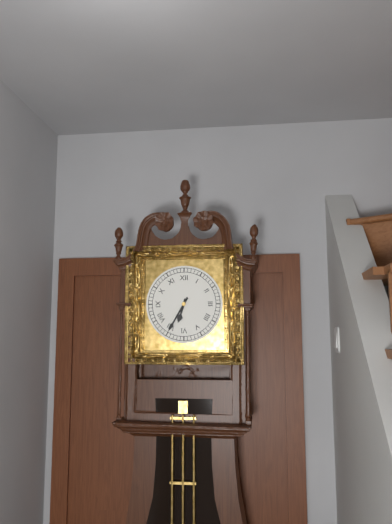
6 h 35 min
